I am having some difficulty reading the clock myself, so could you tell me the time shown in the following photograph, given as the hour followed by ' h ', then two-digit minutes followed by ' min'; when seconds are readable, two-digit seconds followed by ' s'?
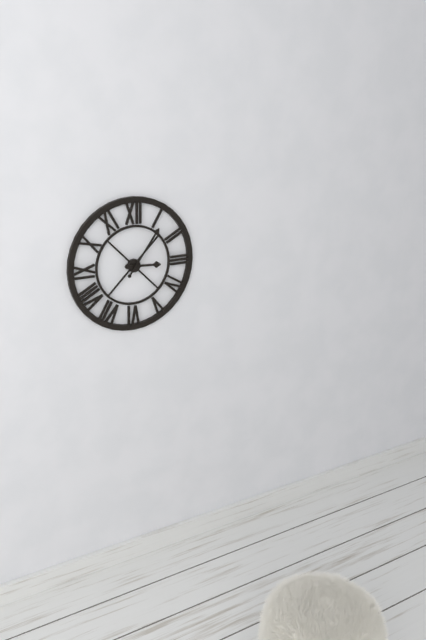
3 h 06 min
